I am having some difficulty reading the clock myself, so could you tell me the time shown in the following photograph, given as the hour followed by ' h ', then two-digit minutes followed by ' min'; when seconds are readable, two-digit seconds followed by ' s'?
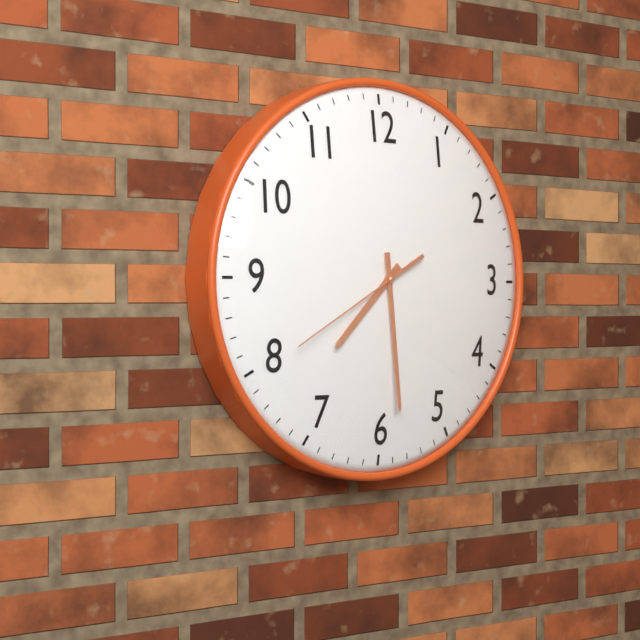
7 h 29 min 40 s
